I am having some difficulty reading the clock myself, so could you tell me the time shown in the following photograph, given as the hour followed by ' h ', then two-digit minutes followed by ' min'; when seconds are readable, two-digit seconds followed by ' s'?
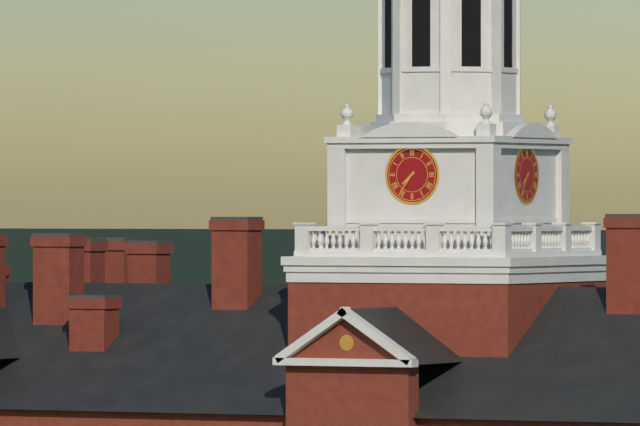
7 h 36 min
